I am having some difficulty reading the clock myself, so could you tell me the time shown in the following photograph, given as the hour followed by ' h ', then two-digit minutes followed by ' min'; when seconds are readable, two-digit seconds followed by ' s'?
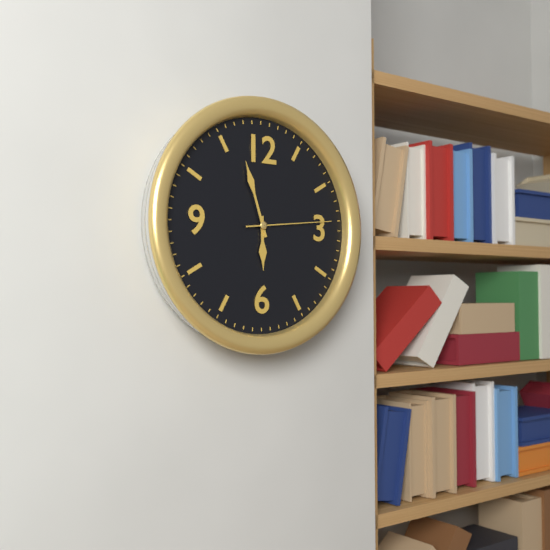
5 h 57 min 14 s
